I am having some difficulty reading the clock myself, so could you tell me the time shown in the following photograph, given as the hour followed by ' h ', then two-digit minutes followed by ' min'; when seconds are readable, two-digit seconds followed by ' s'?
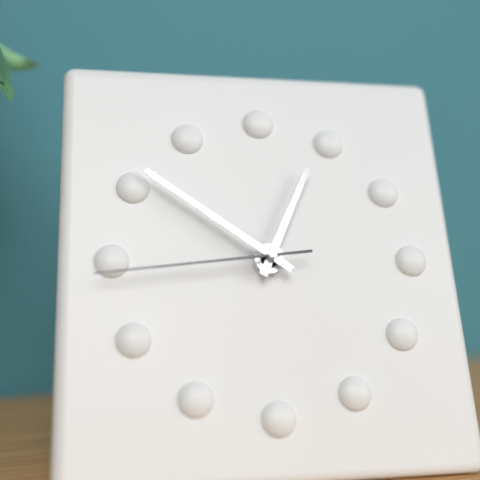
12 h 51 min 44 s
